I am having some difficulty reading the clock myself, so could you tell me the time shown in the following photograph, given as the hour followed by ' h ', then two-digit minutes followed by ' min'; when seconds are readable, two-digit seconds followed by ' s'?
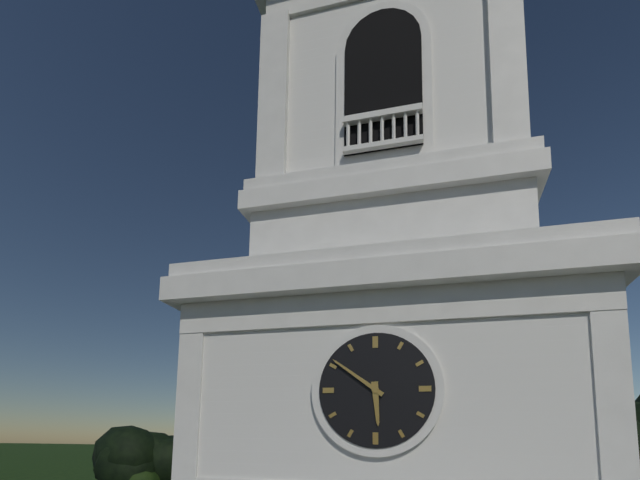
5 h 51 min
